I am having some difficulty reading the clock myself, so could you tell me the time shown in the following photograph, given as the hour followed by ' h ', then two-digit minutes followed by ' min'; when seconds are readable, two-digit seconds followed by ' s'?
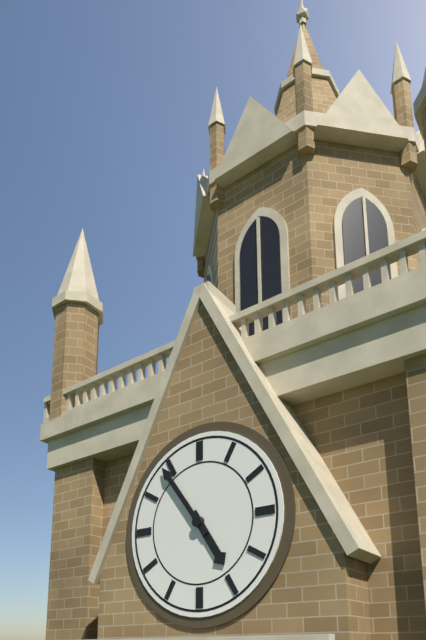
4 h 54 min
